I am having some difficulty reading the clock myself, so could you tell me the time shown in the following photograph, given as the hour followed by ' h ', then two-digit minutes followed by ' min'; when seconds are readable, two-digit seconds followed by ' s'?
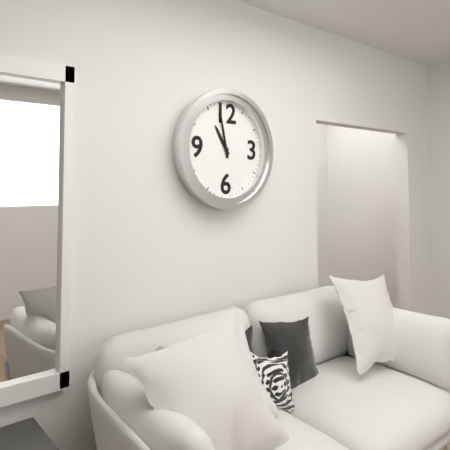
10 h 58 min
